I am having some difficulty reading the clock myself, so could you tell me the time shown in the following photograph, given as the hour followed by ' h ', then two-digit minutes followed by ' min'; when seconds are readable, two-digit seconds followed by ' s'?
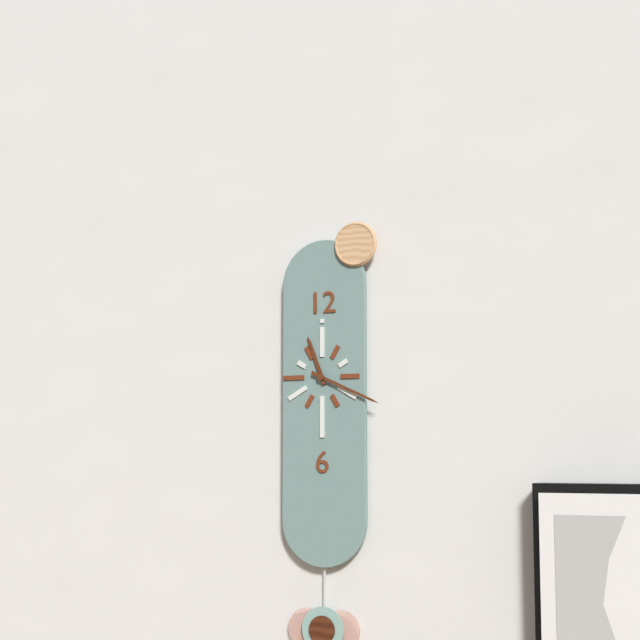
11 h 19 min
